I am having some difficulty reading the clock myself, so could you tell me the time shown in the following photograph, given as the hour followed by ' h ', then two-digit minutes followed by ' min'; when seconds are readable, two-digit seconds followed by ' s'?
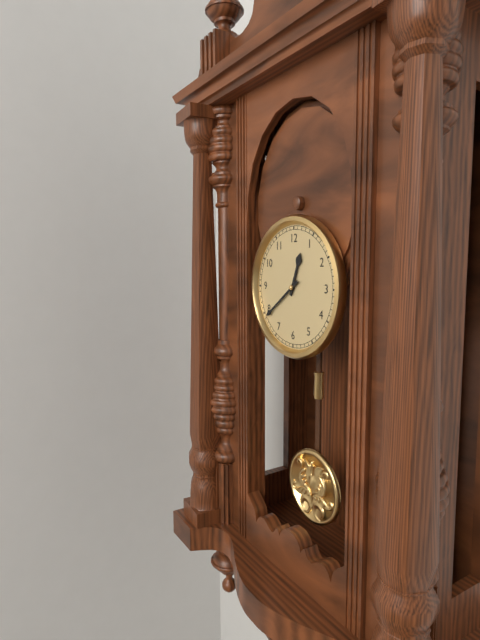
12 h 39 min
